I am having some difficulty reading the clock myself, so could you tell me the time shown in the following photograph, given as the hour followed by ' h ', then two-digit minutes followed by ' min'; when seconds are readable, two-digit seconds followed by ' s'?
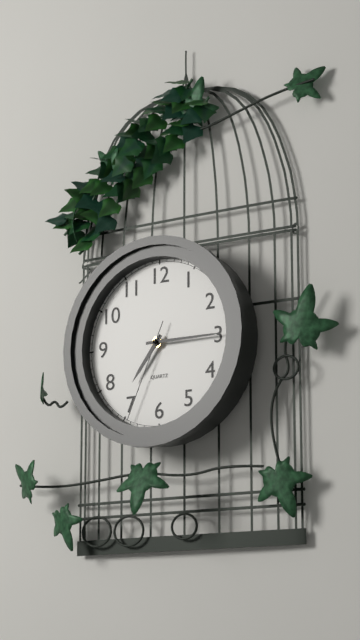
7 h 15 min 34 s
